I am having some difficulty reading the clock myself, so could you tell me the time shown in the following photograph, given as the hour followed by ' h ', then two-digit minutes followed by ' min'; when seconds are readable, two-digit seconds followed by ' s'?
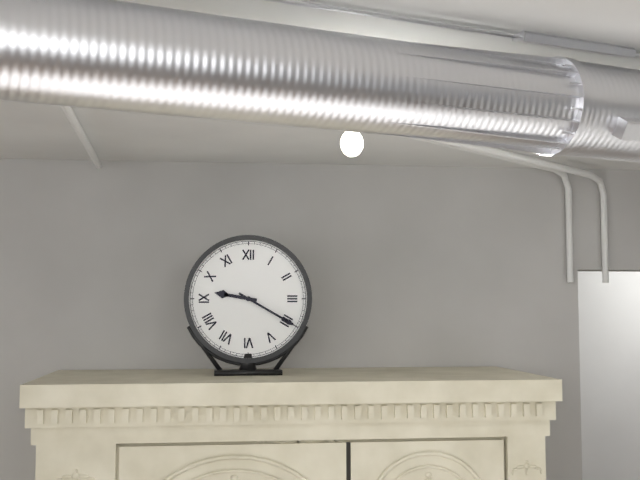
9 h 20 min
